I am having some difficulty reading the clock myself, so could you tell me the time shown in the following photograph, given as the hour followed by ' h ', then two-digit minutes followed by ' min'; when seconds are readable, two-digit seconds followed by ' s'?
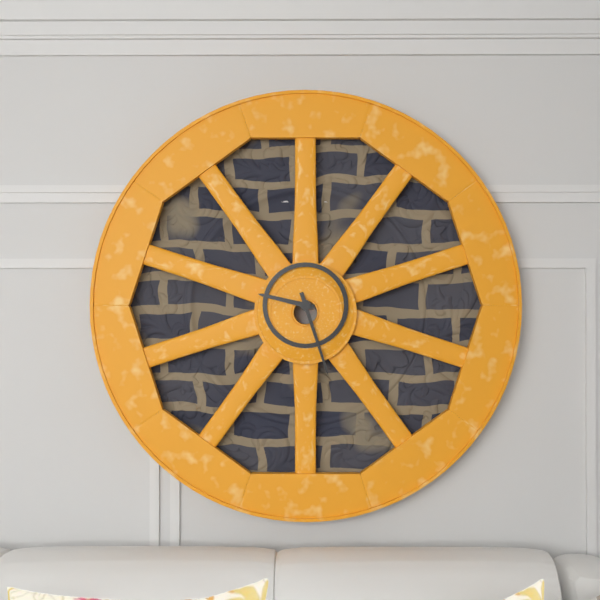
9 h 27 min
